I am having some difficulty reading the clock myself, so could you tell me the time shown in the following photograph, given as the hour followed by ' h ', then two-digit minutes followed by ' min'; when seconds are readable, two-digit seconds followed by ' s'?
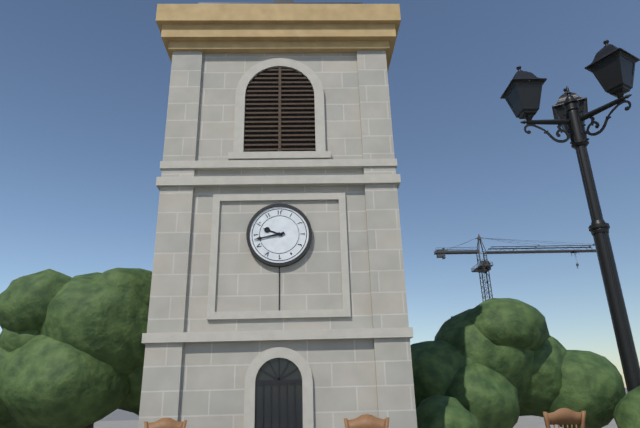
9 h 43 min
